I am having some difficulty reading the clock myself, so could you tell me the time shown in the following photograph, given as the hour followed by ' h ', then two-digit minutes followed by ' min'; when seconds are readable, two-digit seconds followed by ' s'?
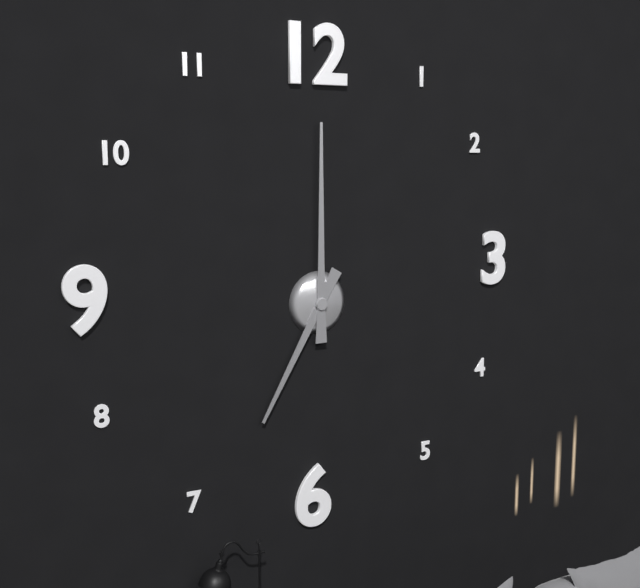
7 h 00 min
